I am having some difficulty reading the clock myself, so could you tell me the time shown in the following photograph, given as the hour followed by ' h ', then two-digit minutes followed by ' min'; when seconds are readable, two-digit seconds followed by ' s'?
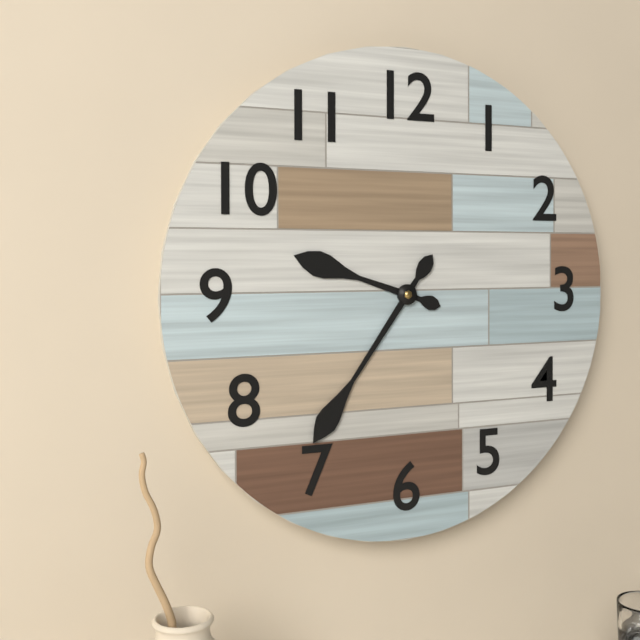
9 h 36 min
